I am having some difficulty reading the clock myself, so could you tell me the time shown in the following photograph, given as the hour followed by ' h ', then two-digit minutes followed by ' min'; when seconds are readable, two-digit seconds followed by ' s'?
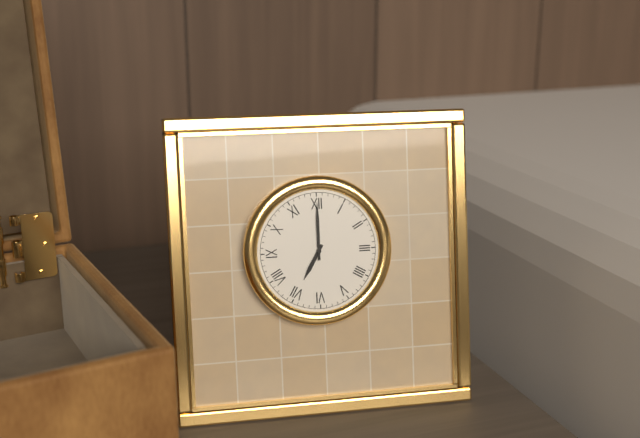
7 h 00 min
